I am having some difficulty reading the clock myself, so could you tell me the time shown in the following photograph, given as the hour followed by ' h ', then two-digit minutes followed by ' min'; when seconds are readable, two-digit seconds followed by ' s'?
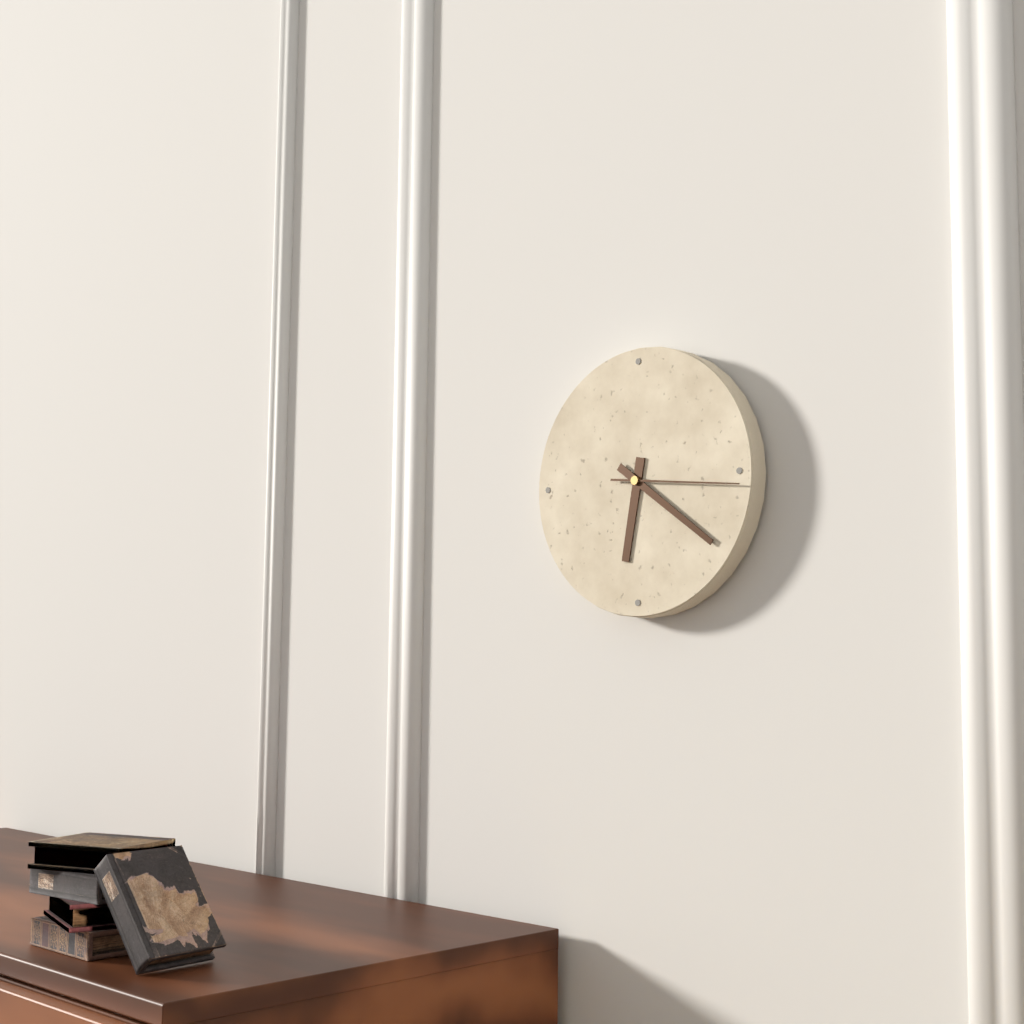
6 h 21 min 16 s
